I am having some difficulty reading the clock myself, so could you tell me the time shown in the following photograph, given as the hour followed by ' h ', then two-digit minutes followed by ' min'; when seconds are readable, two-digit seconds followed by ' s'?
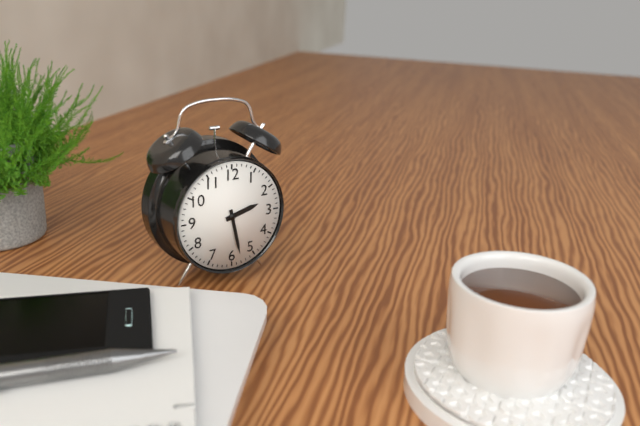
2 h 28 min
